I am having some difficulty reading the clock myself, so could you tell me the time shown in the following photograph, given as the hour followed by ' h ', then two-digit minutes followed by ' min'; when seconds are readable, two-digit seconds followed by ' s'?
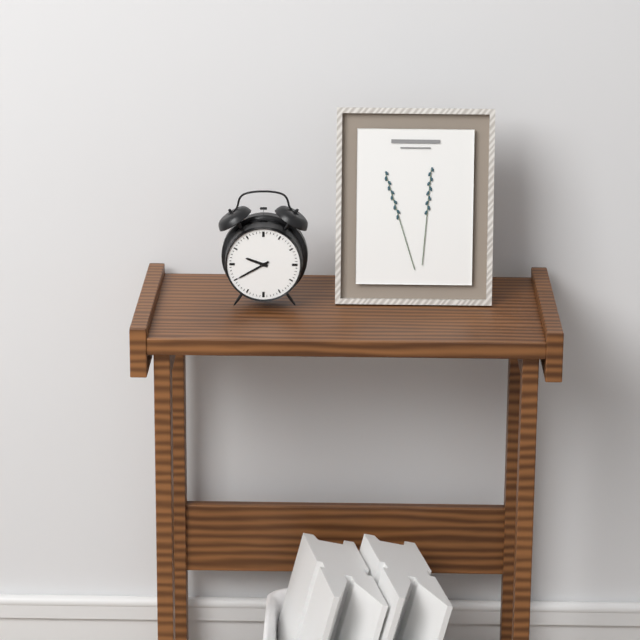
9 h 40 min
